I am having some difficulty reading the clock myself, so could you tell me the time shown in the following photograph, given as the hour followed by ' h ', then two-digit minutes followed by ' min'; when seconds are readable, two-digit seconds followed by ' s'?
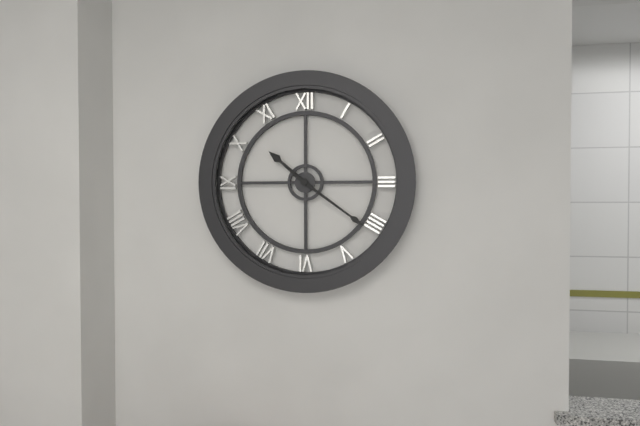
10 h 21 min
